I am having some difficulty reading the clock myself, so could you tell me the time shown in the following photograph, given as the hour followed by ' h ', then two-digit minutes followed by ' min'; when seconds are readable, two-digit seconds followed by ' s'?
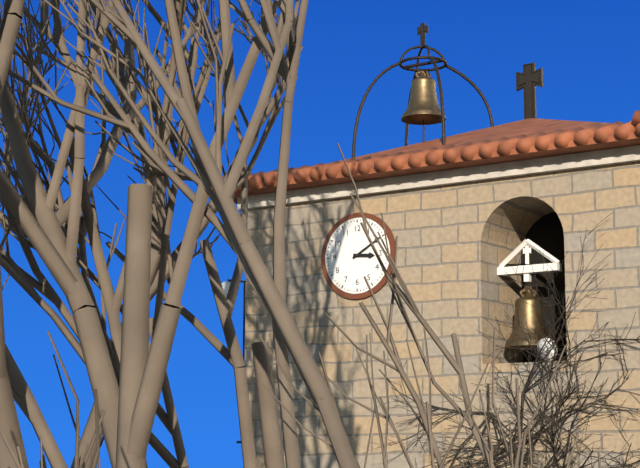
3 h 10 min
